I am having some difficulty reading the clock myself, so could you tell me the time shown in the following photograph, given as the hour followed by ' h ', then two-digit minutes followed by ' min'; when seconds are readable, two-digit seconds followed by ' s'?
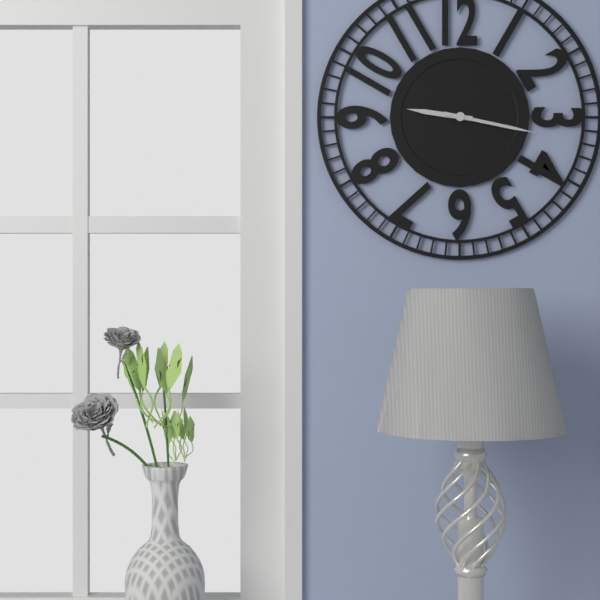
9 h 17 min
